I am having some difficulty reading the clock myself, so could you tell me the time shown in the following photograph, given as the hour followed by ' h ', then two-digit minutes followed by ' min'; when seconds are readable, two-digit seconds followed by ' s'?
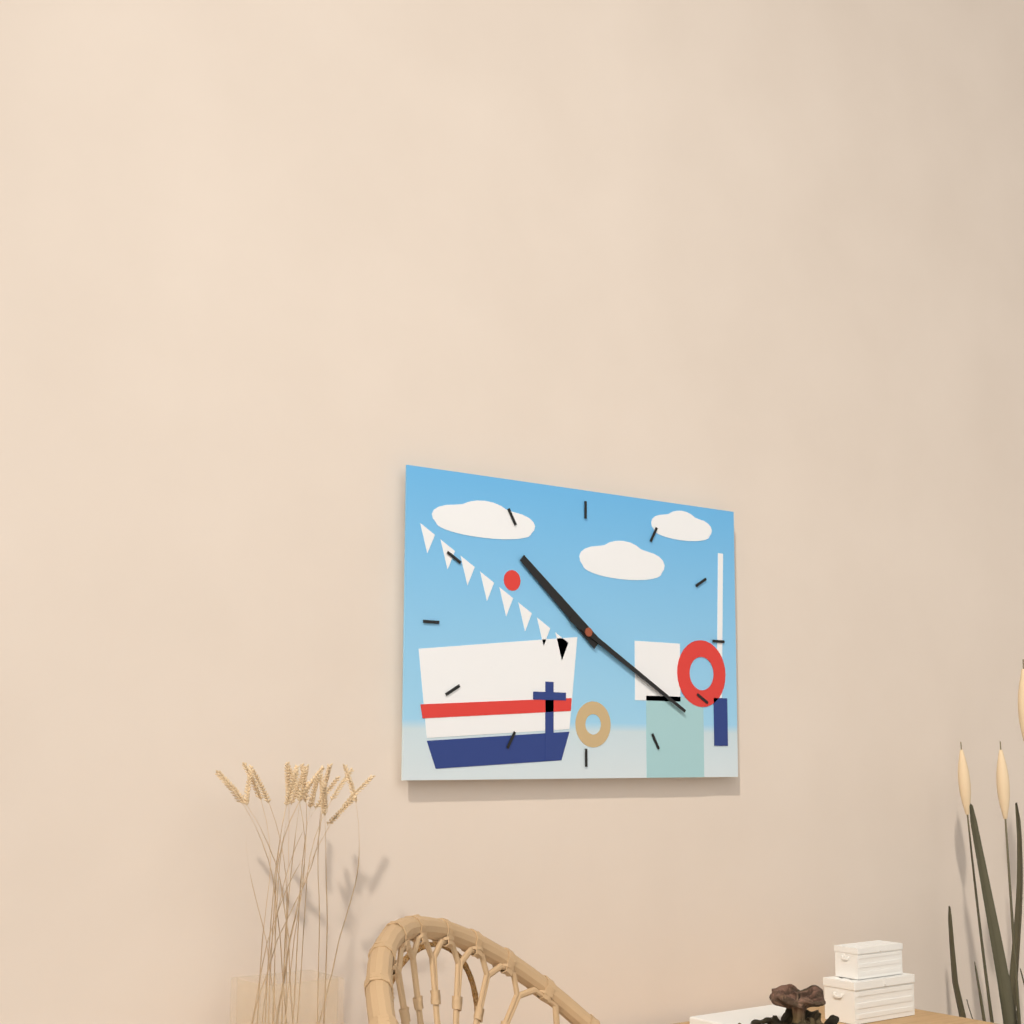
10 h 20 min
